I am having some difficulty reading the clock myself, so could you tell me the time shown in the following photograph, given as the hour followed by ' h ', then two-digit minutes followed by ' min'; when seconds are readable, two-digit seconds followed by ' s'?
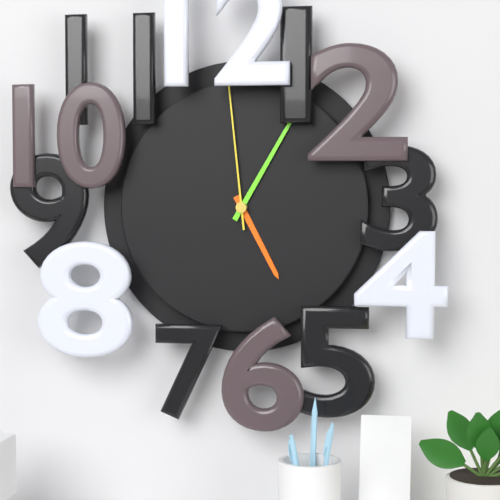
5 h 05 min 59 s
